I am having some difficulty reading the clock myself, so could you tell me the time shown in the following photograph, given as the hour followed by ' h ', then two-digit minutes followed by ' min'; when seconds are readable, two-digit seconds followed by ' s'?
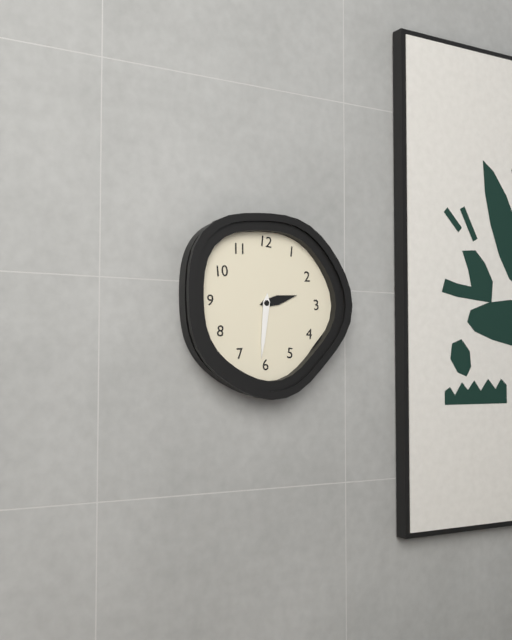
2 h 31 min
